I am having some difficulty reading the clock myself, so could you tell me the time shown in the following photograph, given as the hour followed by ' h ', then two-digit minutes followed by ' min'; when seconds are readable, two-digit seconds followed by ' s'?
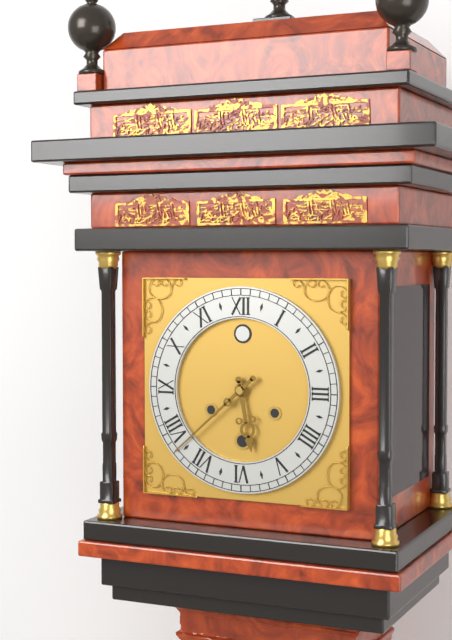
5 h 38 min
